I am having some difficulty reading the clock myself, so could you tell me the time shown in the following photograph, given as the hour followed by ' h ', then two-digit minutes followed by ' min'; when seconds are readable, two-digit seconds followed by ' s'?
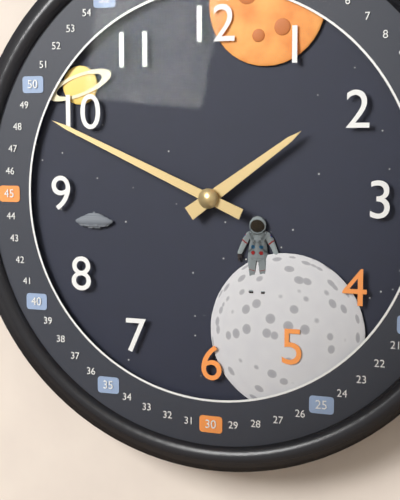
1 h 49 min
